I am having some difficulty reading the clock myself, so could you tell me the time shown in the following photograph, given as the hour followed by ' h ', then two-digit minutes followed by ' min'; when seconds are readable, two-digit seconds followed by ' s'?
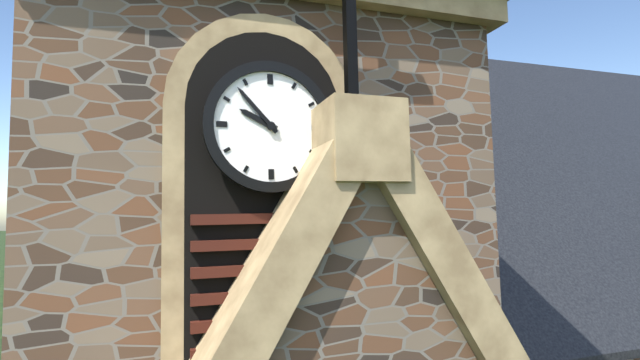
9 h 53 min
